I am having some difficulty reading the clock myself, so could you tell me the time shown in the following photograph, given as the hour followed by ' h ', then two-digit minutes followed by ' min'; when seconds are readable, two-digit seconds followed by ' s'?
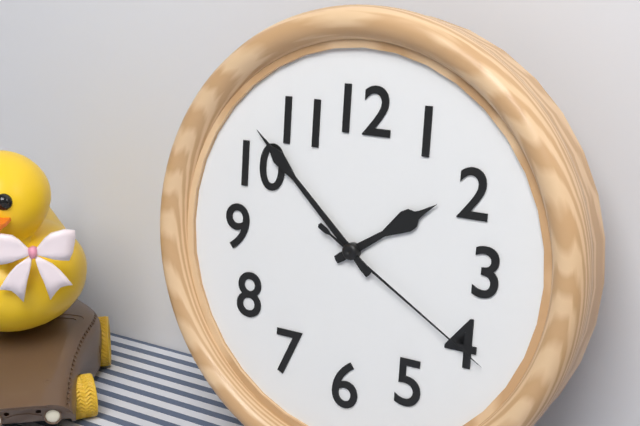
1 h 52 min 20 s
